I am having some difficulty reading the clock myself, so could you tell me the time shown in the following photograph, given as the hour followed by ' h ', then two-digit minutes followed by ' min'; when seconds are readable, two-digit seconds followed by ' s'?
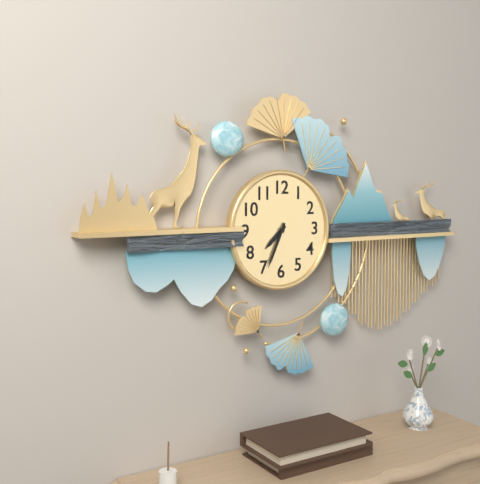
7 h 34 min
